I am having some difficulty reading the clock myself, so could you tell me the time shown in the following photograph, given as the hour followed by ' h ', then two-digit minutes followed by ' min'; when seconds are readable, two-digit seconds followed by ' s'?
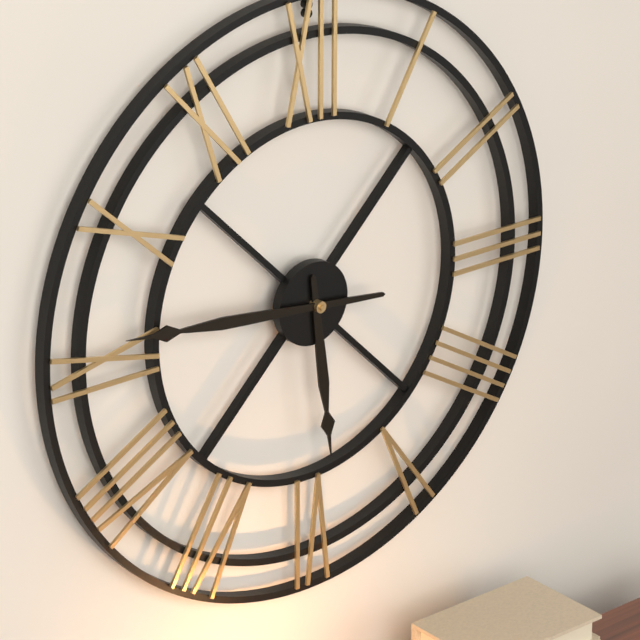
5 h 46 min
